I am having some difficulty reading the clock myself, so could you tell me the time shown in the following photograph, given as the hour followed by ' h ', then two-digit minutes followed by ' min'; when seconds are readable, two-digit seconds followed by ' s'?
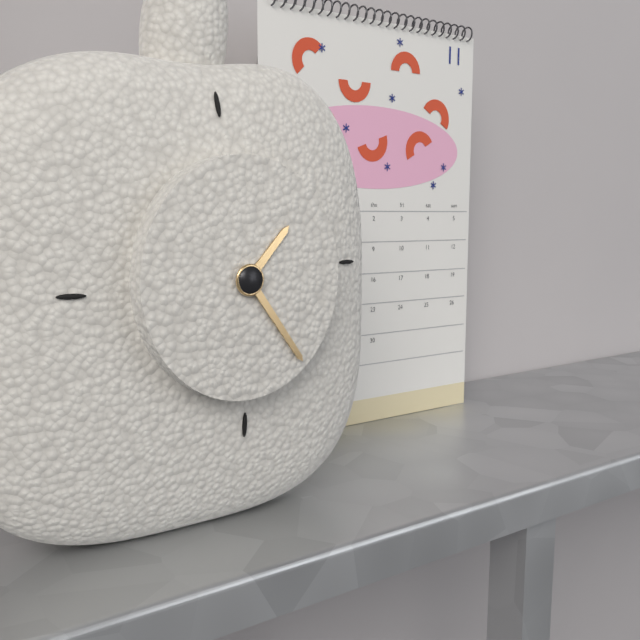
1 h 24 min
